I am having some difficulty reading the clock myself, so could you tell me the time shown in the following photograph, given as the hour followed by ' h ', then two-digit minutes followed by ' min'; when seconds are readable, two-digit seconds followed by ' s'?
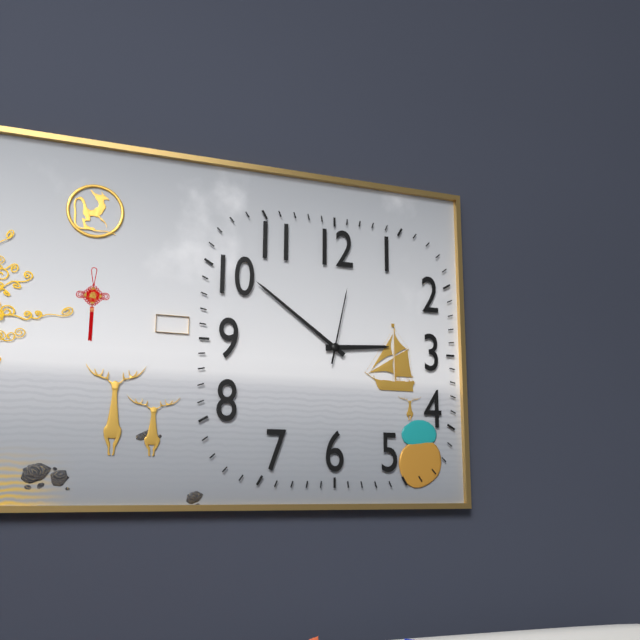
2 h 51 min 02 s
